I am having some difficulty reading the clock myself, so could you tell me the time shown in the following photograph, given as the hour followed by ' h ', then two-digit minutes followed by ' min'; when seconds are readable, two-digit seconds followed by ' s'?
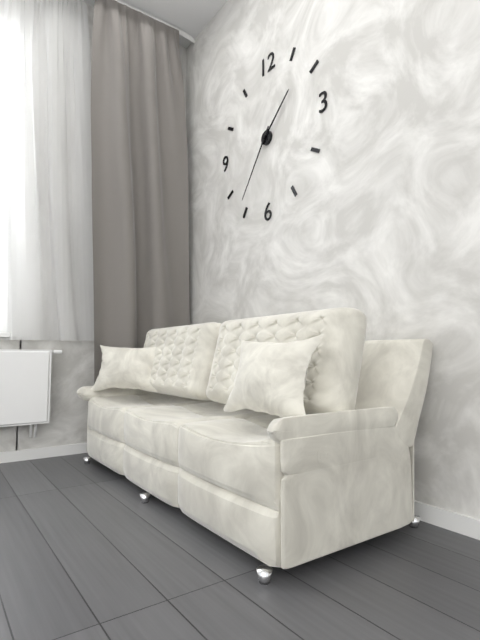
1 h 36 min
